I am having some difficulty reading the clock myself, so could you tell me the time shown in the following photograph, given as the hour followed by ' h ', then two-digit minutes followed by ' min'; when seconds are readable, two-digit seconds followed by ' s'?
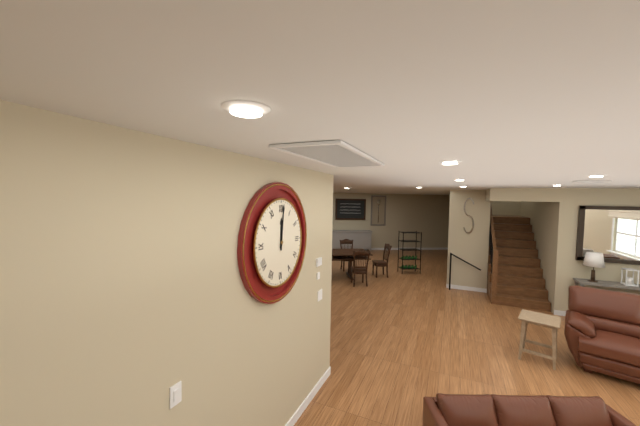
12 h 01 min
